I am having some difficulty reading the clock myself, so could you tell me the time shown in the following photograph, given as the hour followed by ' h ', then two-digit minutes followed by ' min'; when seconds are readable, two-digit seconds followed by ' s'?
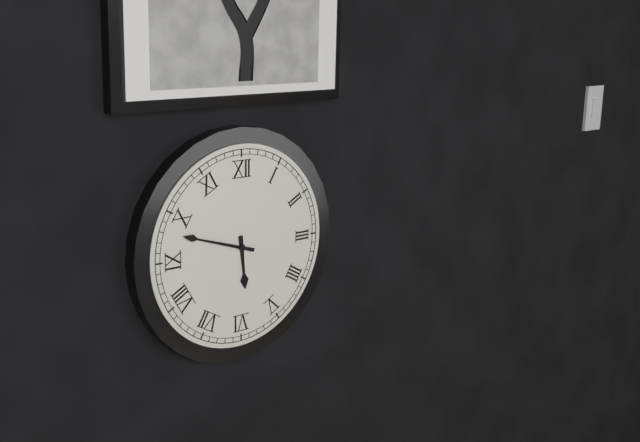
5 h 48 min
